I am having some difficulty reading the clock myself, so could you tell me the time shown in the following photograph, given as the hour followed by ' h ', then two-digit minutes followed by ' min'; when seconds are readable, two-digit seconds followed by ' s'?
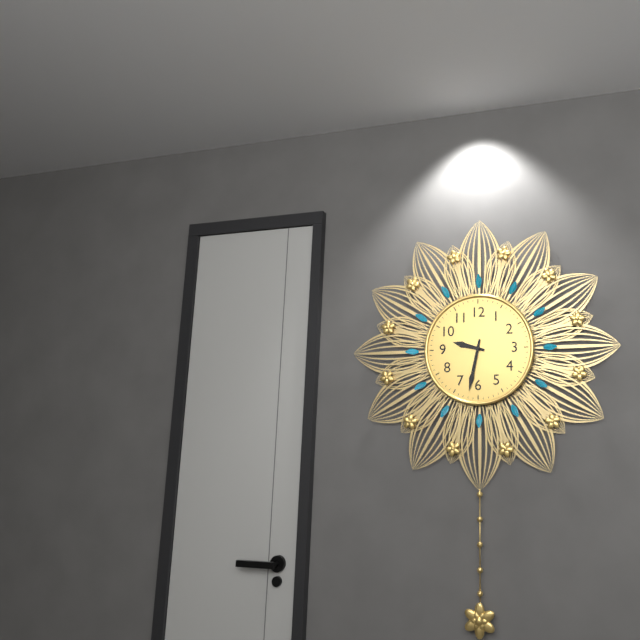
9 h 32 min
